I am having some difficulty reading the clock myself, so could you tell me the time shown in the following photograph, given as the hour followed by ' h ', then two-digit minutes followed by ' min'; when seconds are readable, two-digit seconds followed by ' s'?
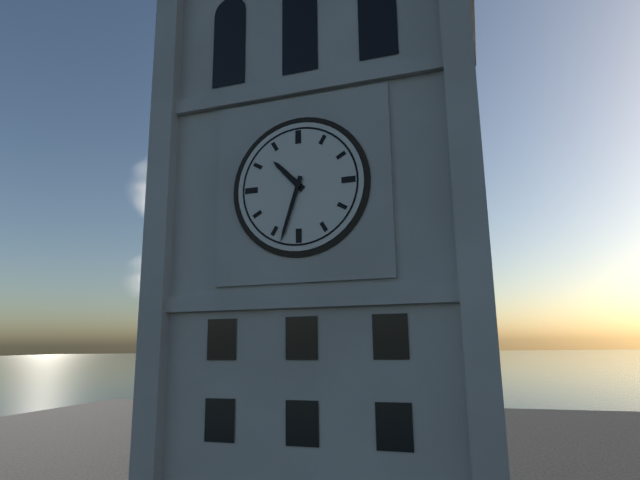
10 h 33 min
